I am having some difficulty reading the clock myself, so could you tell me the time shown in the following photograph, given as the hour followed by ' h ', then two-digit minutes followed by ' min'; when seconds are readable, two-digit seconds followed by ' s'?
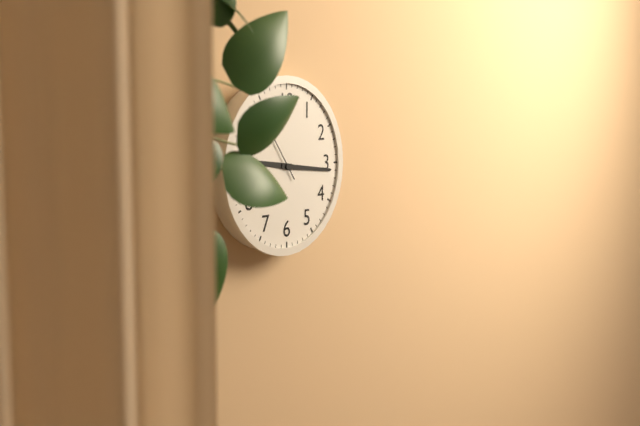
9 h 16 min
